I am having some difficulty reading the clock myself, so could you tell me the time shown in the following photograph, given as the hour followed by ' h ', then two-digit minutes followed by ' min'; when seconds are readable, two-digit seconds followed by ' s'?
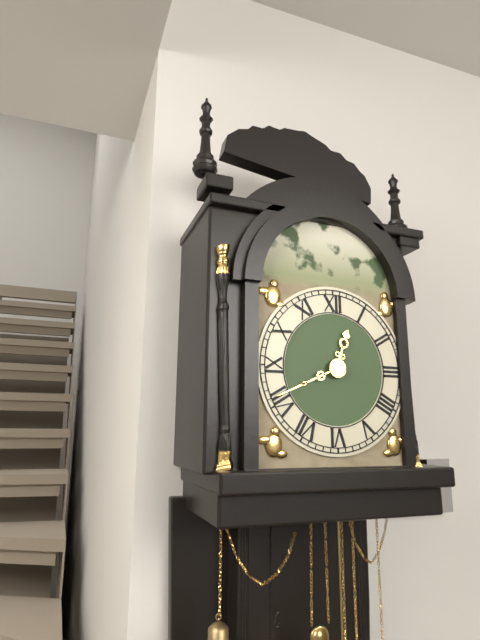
12 h 41 min
